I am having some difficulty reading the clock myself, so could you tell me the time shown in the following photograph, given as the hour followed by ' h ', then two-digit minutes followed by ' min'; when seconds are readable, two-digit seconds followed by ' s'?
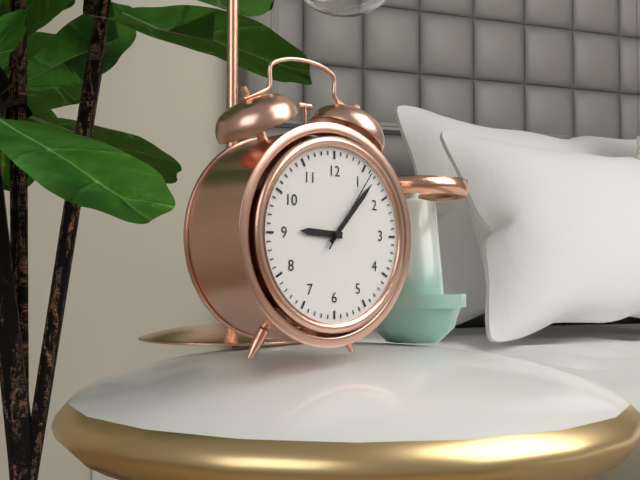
9 h 07 min 06 s
